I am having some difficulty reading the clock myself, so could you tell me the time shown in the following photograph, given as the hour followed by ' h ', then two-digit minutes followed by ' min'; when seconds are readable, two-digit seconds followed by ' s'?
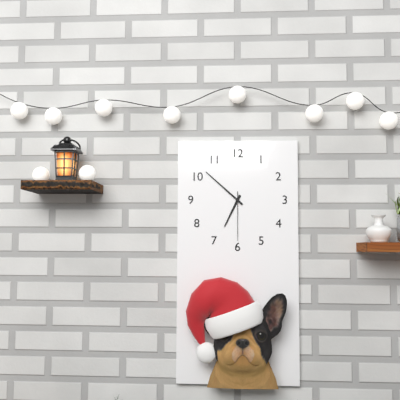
6 h 52 min 30 s
